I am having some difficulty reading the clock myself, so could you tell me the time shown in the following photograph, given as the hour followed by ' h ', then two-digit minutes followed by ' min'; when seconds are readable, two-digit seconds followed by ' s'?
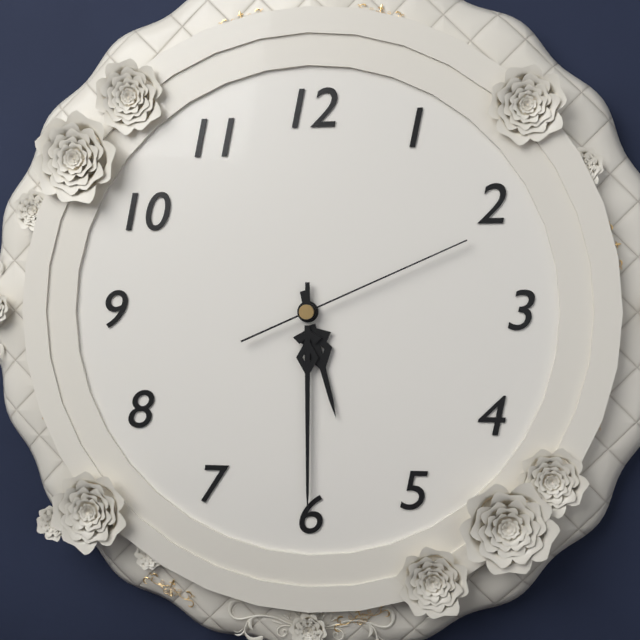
5 h 30 min 11 s
